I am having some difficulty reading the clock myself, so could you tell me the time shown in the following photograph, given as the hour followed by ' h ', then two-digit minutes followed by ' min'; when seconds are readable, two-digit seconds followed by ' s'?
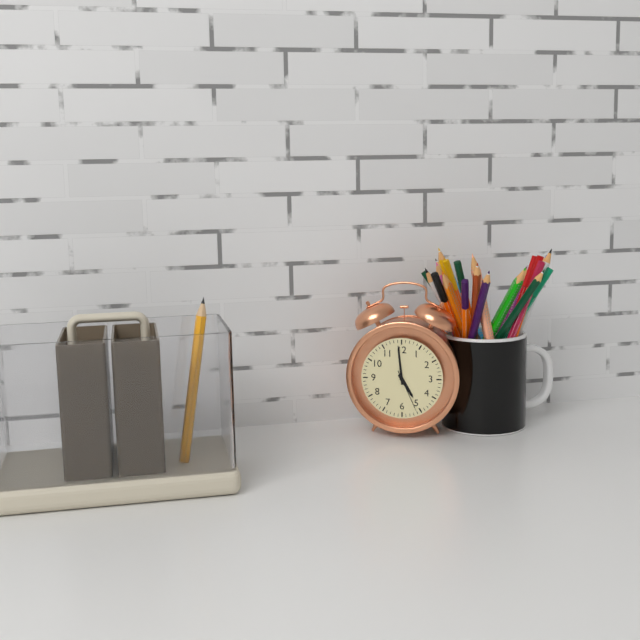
4 h 59 min
